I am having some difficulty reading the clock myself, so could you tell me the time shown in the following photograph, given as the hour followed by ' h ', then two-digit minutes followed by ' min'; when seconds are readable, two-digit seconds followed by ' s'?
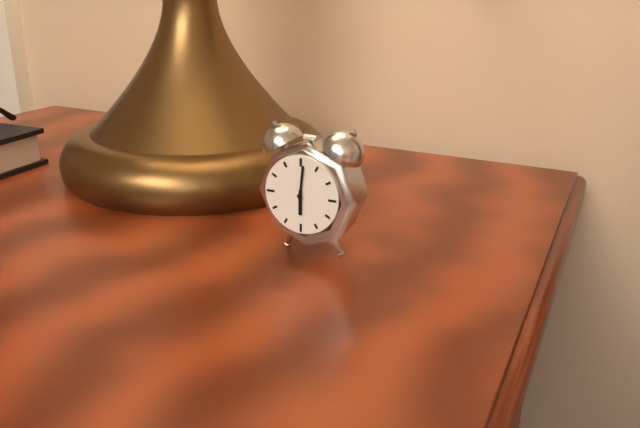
6 h 01 min
